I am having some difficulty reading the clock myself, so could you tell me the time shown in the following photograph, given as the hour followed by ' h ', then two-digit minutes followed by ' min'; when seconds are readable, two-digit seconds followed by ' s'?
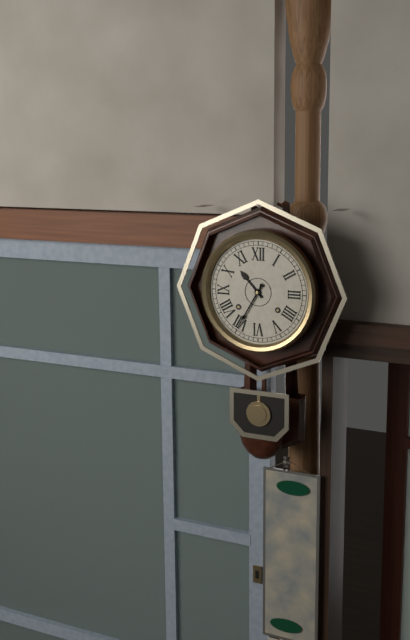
10 h 35 min
